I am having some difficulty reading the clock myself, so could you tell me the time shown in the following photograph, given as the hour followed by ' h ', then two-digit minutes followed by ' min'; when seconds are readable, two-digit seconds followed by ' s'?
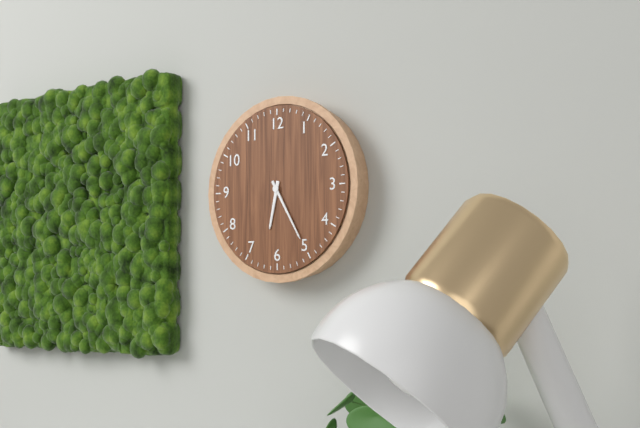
6 h 25 min
